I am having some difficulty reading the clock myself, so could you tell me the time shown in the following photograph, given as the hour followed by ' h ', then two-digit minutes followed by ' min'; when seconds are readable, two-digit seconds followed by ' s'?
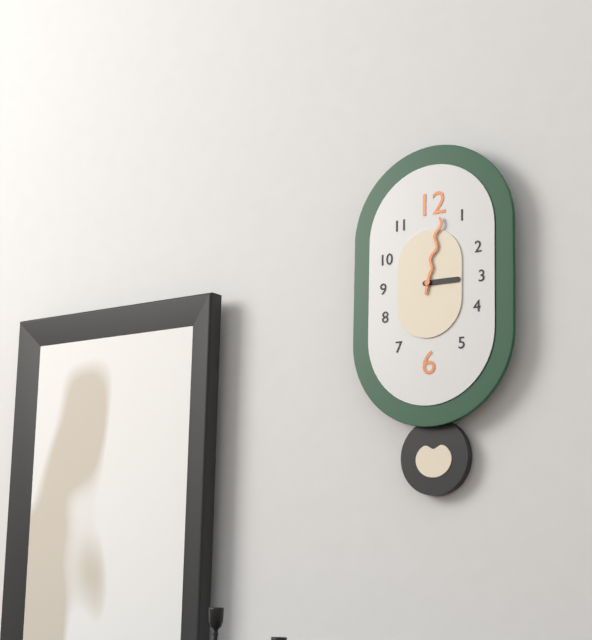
3 h 02 min
